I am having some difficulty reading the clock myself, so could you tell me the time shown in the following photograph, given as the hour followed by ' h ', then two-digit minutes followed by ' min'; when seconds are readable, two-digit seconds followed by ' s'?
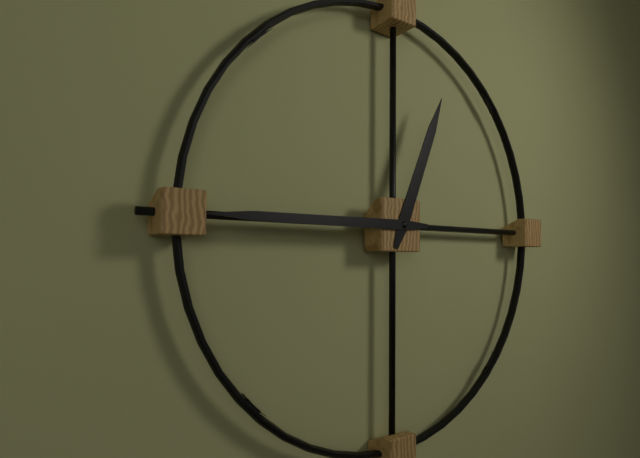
12 h 45 min
